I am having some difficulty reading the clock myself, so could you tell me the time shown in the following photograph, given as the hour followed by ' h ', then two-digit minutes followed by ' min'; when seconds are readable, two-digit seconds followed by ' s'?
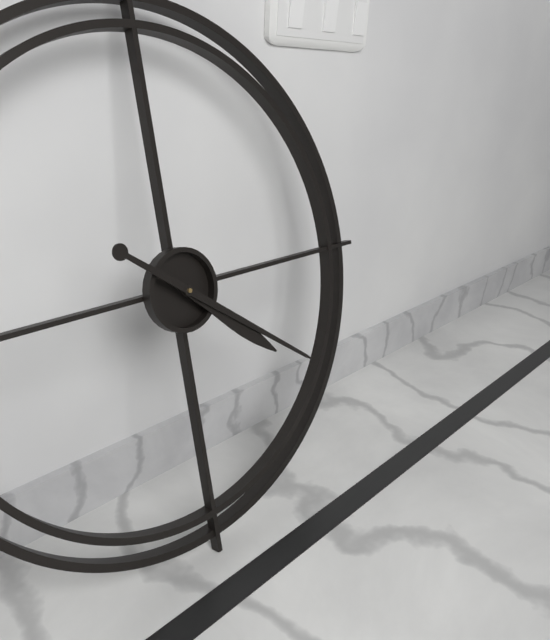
4 h 21 min
